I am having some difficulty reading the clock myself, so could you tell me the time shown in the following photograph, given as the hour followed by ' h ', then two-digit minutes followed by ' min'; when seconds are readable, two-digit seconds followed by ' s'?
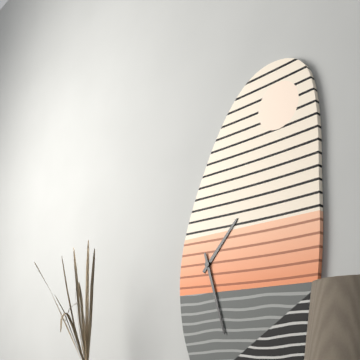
1 h 27 min
